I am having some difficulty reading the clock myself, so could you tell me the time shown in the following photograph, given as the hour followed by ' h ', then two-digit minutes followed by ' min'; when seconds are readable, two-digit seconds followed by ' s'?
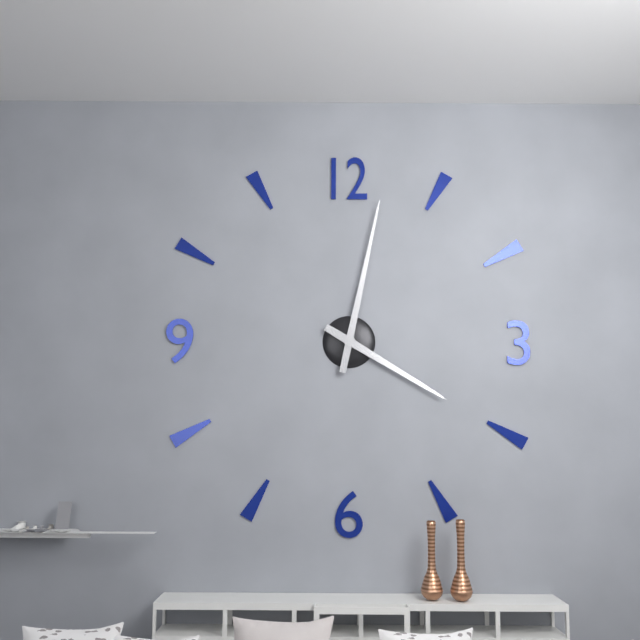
4 h 02 min
